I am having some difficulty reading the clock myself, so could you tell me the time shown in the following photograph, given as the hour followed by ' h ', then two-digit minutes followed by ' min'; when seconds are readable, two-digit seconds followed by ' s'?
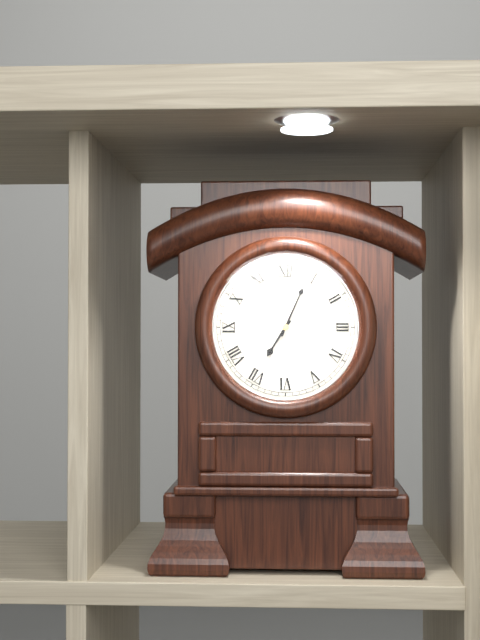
7 h 04 min
